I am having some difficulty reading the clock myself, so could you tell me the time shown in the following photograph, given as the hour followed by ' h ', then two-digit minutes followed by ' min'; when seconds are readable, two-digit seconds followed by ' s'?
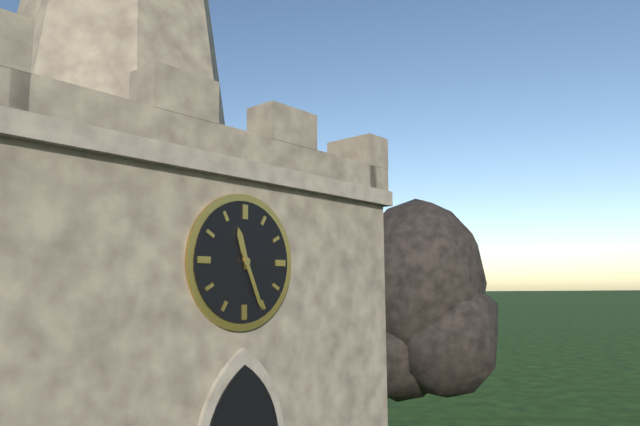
11 h 26 min
